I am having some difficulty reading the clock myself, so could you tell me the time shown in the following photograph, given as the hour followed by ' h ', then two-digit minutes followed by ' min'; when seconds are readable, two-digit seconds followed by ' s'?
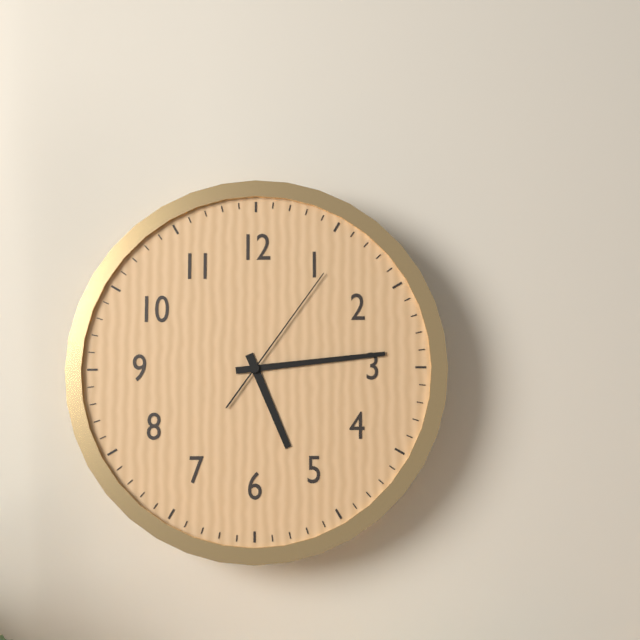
5 h 14 min 06 s
